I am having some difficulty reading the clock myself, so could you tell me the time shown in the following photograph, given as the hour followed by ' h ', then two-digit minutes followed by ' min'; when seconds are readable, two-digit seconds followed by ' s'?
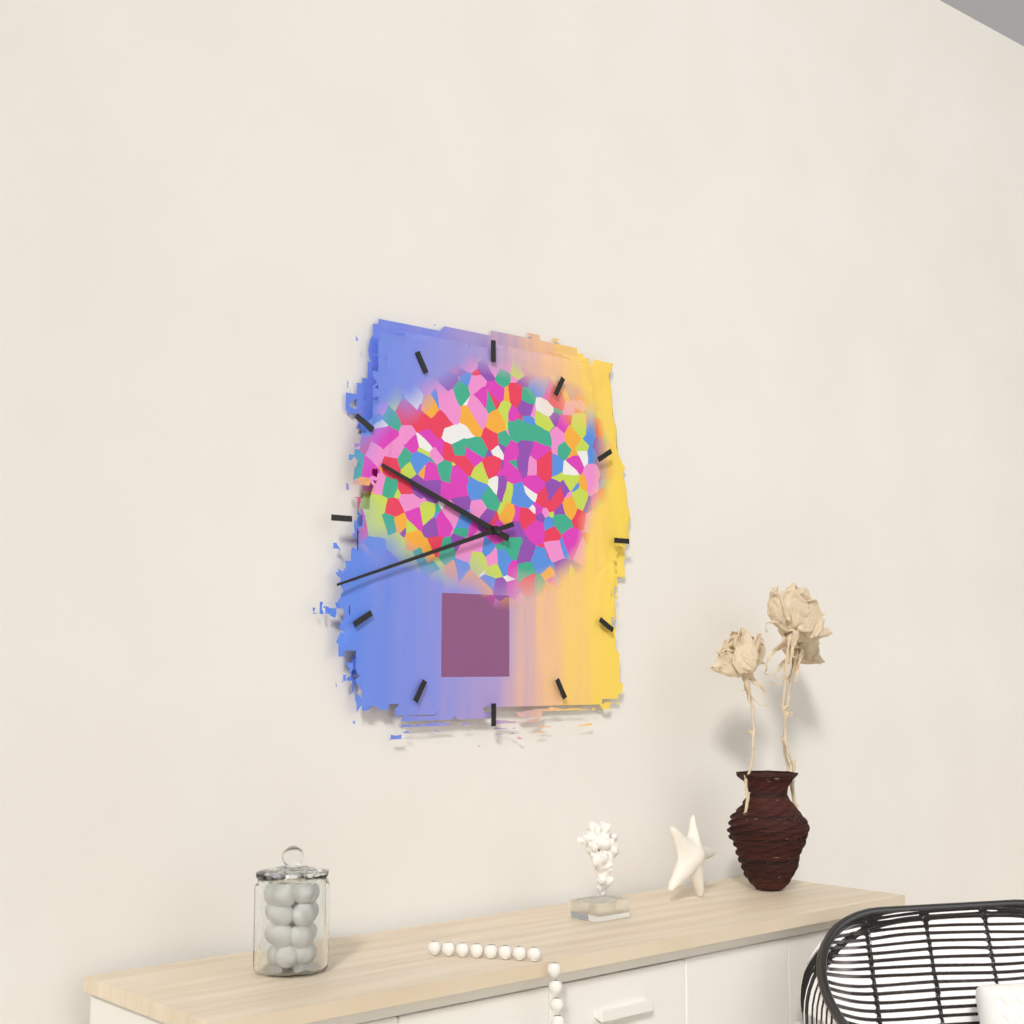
9 h 42 min
